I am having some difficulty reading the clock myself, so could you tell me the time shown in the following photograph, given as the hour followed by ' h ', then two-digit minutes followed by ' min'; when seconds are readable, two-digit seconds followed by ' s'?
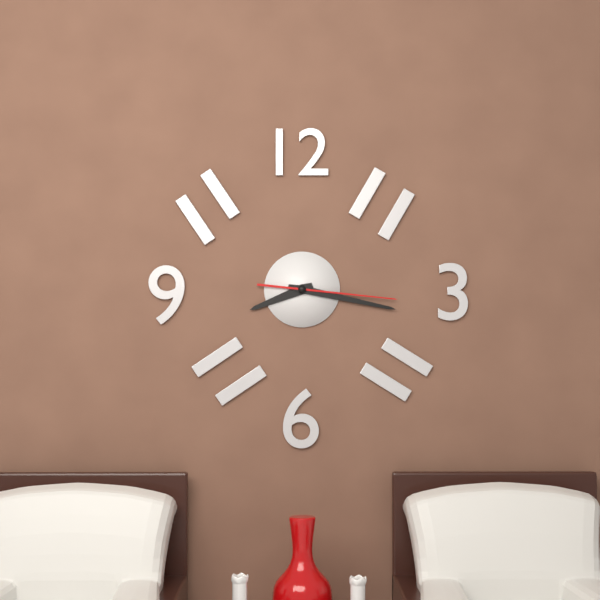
8 h 17 min 16 s
